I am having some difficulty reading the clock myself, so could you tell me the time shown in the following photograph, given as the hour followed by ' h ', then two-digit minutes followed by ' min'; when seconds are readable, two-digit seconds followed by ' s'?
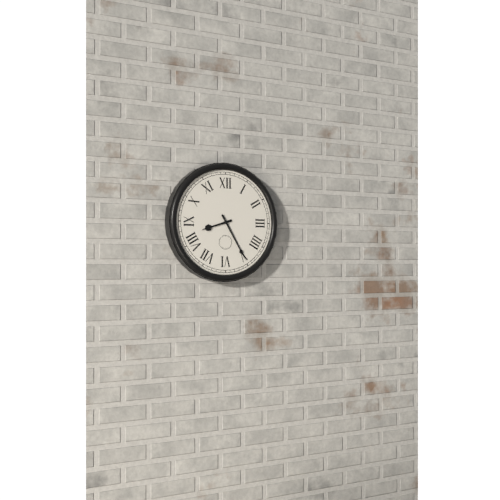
8 h 25 min
